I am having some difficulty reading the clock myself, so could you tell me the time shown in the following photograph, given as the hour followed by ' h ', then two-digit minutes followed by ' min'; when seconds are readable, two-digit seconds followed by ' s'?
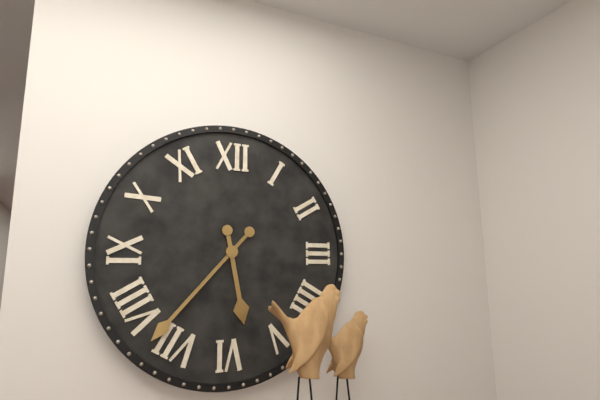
5 h 37 min
